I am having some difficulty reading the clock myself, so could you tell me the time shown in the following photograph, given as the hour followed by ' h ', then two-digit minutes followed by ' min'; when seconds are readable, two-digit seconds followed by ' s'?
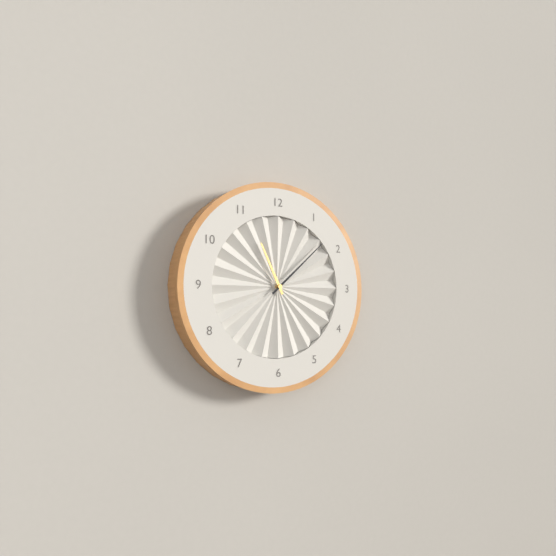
11 h 08 min
